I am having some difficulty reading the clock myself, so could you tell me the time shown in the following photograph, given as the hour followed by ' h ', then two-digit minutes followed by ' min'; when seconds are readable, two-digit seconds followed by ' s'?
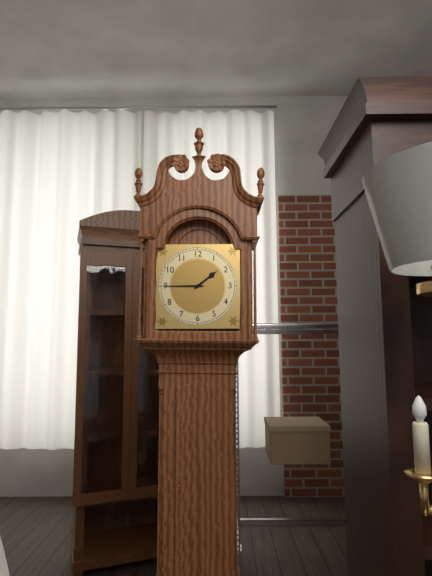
1 h 45 min
